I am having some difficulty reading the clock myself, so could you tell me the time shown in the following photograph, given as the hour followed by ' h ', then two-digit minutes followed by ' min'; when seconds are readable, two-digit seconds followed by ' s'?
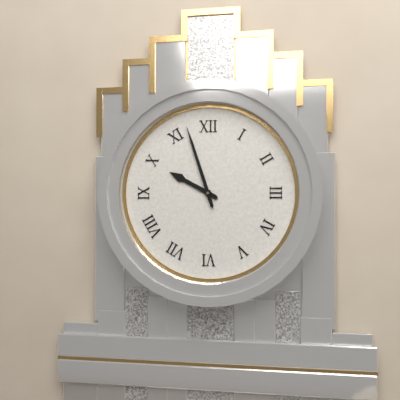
9 h 57 min
